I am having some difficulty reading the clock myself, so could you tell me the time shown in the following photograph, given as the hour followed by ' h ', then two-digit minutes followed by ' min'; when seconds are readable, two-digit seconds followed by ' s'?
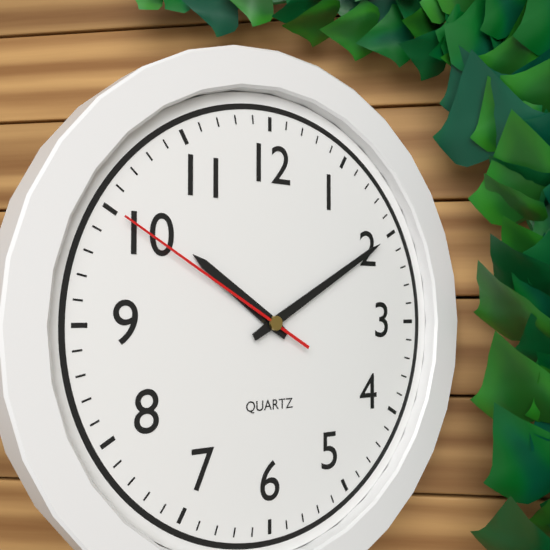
10 h 10 min 50 s
